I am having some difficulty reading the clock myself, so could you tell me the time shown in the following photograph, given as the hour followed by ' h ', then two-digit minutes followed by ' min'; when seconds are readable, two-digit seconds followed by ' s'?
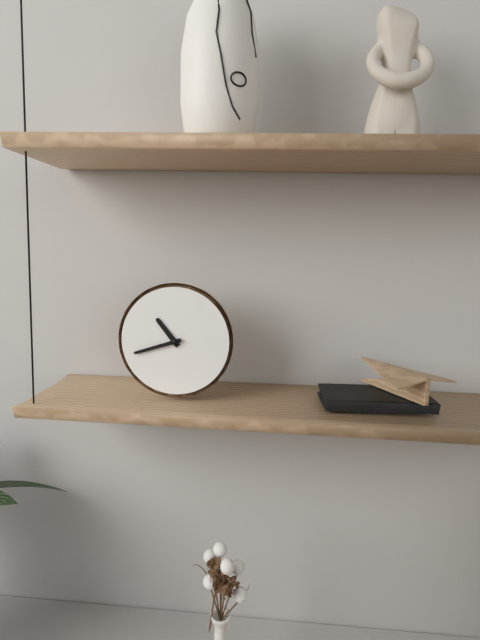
10 h 42 min
